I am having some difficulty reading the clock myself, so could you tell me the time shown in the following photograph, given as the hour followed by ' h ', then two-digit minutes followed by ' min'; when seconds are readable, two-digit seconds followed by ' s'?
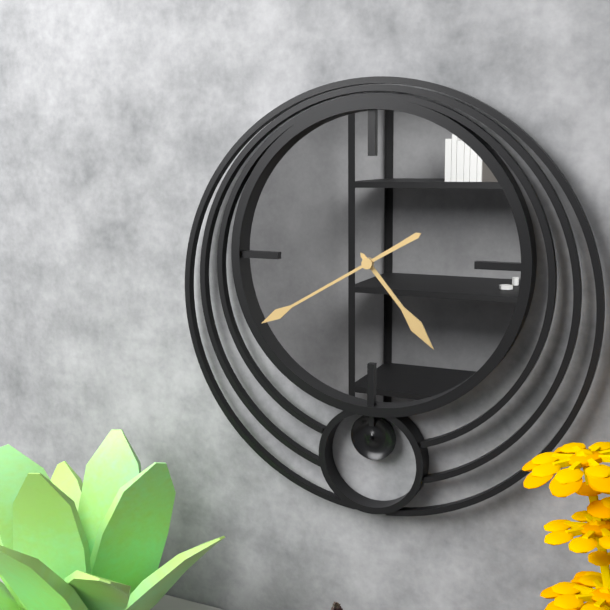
4 h 40 min
